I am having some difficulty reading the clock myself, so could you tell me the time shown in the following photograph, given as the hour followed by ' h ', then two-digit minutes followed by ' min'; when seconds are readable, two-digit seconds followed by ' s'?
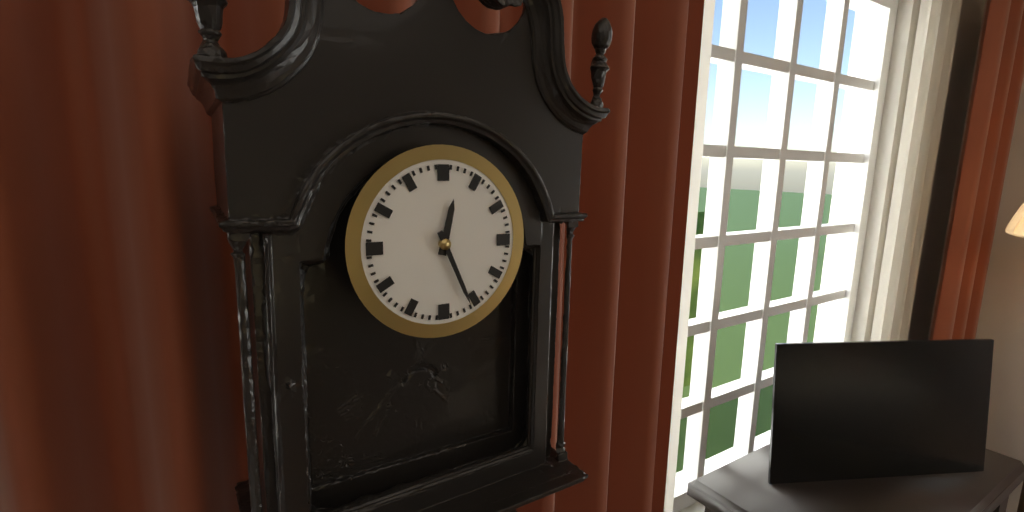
12 h 26 min
